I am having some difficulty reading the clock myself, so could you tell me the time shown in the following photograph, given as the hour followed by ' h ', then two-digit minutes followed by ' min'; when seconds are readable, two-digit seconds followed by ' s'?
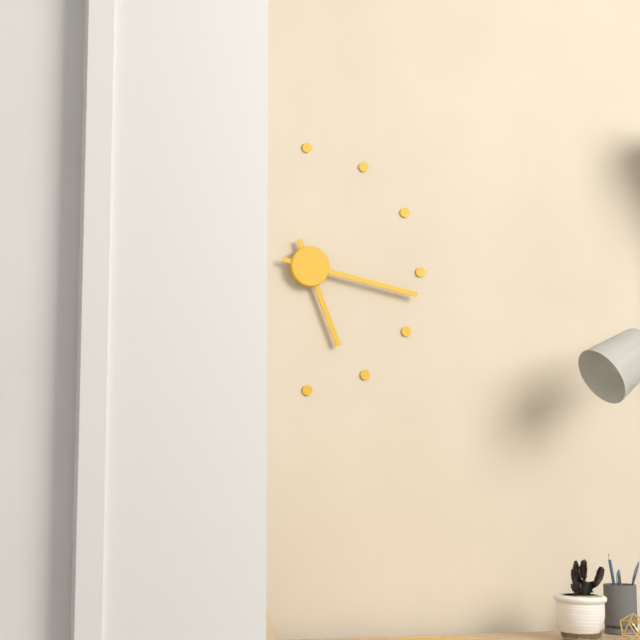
5 h 17 min
